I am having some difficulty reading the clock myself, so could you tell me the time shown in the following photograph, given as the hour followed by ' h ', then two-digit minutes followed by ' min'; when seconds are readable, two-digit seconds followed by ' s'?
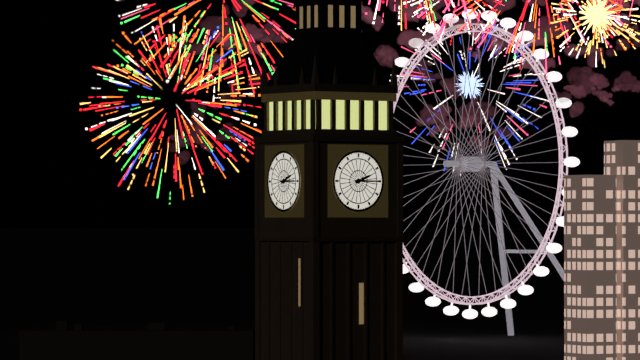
2 h 15 min
